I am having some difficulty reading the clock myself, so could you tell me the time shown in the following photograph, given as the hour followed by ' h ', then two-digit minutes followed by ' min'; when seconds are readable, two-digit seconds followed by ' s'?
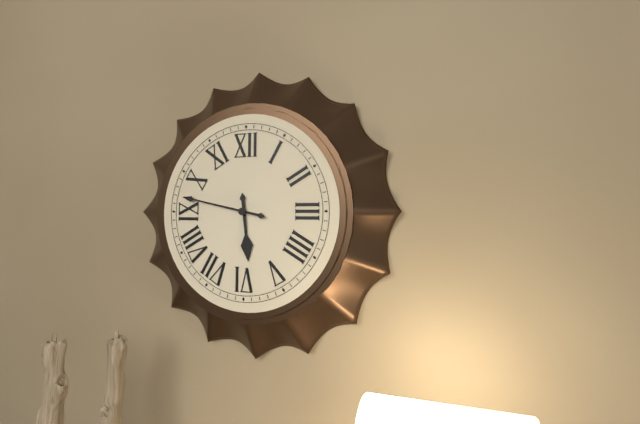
5 h 47 min
